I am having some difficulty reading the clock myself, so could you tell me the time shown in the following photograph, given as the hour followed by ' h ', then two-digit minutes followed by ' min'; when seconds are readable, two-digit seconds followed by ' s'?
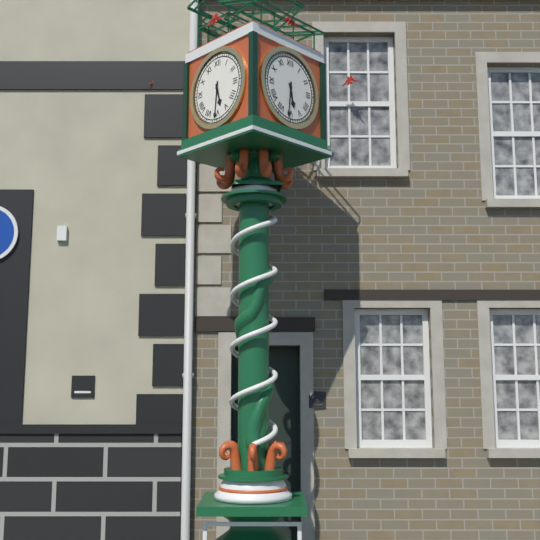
5 h 31 min
